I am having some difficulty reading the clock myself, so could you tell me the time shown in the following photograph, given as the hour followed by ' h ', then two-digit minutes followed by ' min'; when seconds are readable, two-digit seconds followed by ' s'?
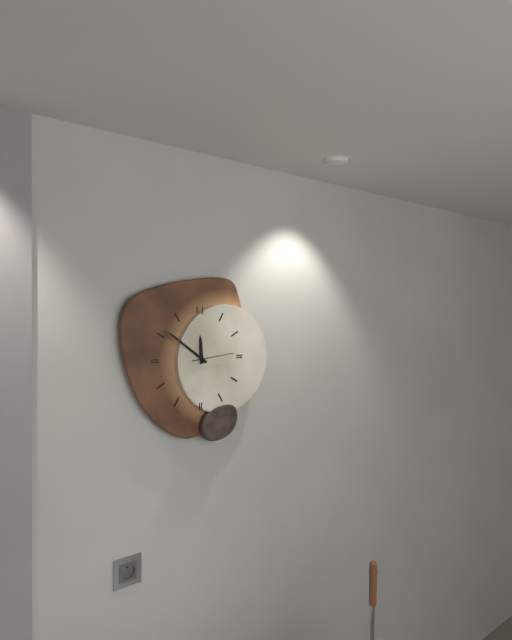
11 h 51 min
